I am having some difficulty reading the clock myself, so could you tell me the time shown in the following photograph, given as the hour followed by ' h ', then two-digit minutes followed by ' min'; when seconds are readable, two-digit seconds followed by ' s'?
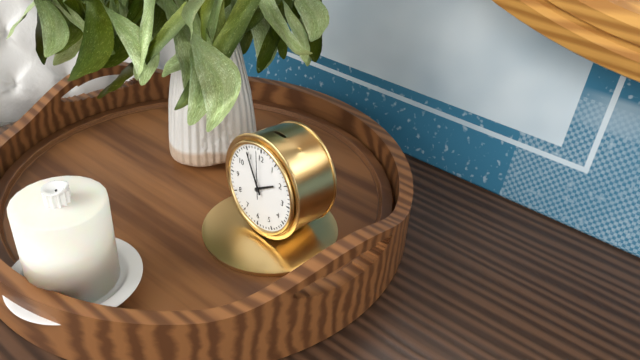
1 h 55 min
